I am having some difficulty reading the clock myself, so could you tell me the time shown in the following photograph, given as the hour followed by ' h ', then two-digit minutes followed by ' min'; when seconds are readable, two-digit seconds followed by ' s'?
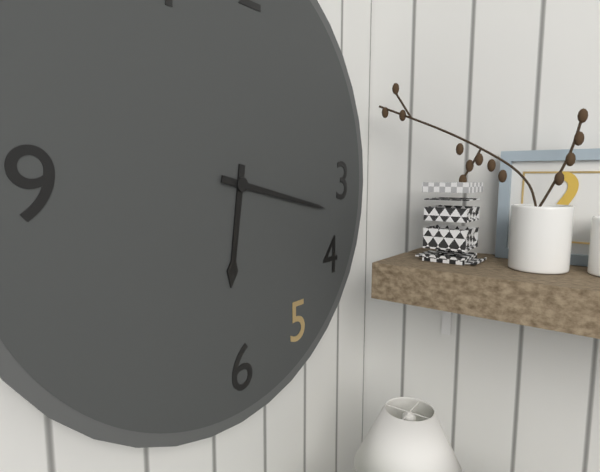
6 h 17 min
